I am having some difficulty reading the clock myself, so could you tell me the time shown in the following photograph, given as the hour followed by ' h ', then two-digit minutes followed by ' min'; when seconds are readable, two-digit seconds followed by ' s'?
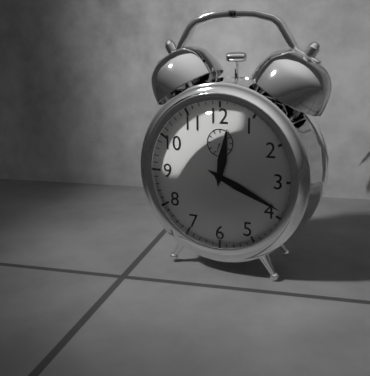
12 h 19 min
